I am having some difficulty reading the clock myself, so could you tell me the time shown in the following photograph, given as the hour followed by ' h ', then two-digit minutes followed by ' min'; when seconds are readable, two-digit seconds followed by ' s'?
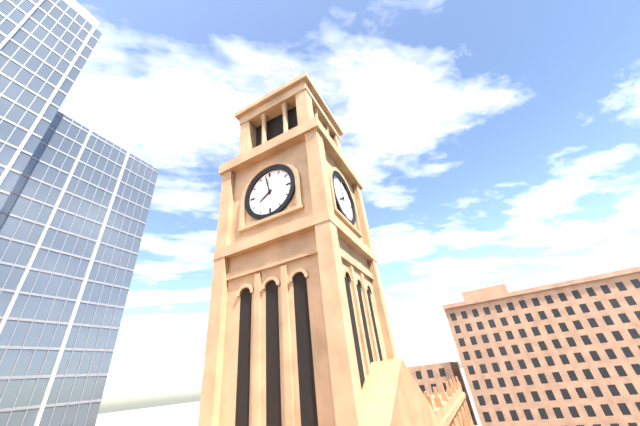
7 h 58 min
